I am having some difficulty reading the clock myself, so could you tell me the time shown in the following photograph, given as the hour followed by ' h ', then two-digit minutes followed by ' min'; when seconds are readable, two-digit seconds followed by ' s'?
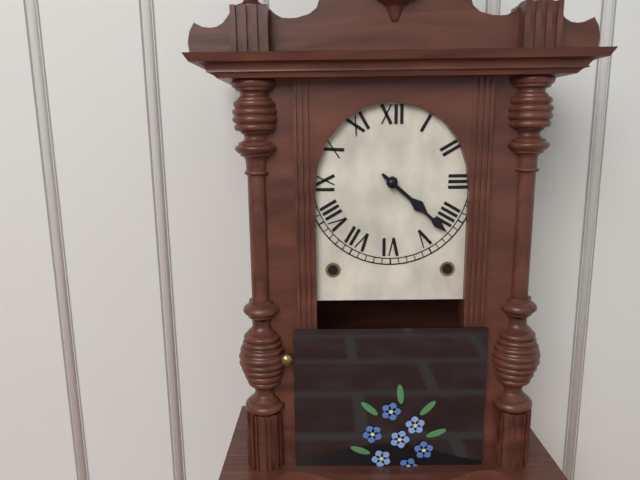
4 h 22 min
